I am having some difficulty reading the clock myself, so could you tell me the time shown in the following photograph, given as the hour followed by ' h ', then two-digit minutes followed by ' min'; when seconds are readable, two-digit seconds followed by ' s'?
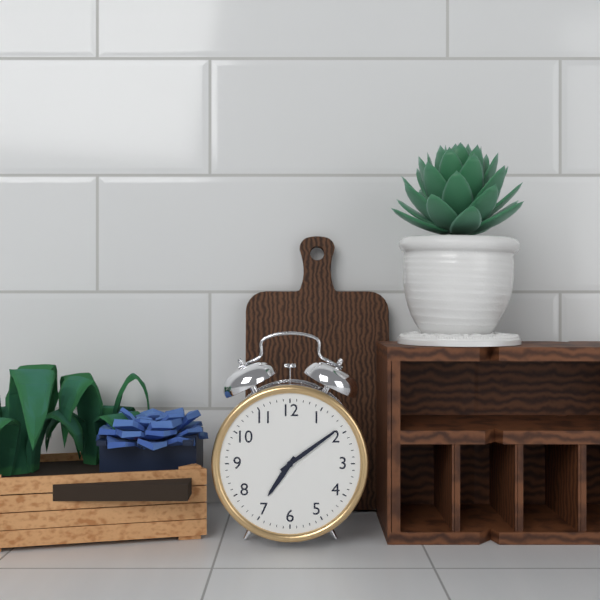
7 h 09 min
